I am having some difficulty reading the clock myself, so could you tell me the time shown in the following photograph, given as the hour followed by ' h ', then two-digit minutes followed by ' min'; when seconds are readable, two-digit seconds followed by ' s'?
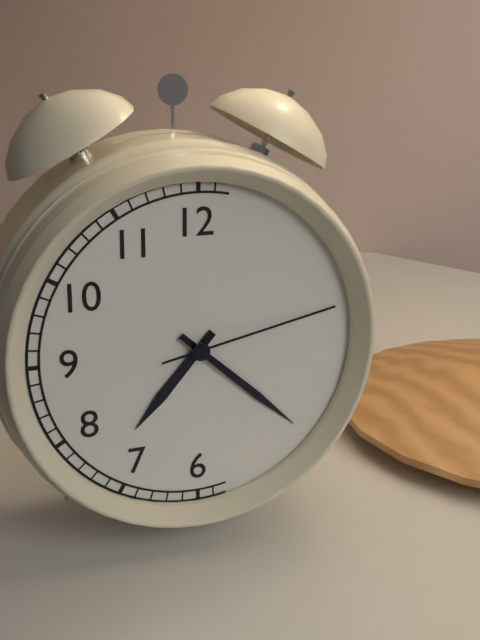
7 h 22 min 13 s
